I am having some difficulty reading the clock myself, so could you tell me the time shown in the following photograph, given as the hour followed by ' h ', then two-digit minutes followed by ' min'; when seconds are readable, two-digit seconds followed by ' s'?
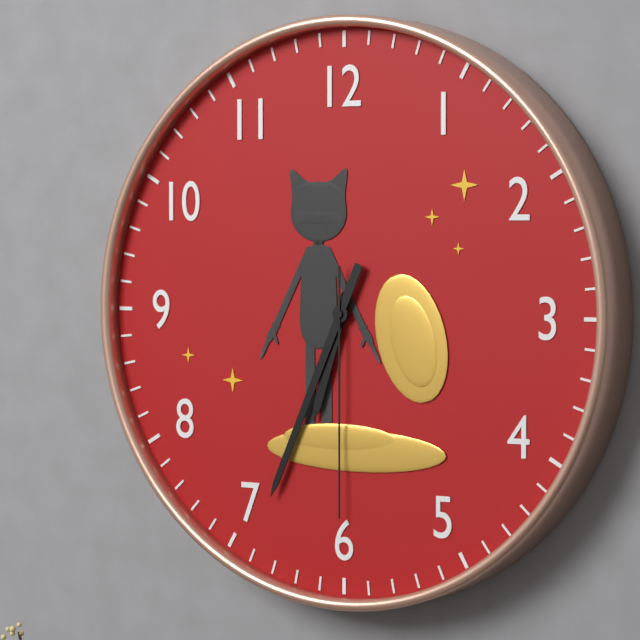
6 h 34 min 30 s
